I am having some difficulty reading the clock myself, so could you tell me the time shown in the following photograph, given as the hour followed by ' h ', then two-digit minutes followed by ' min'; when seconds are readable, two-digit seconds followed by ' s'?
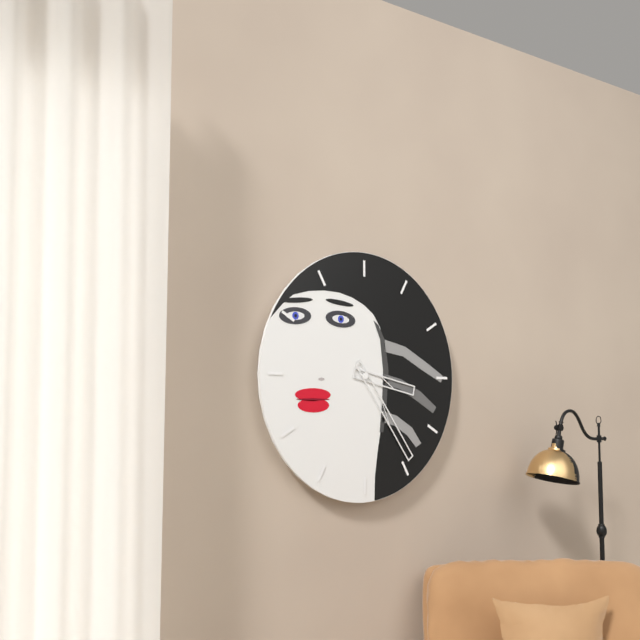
3 h 24 min
